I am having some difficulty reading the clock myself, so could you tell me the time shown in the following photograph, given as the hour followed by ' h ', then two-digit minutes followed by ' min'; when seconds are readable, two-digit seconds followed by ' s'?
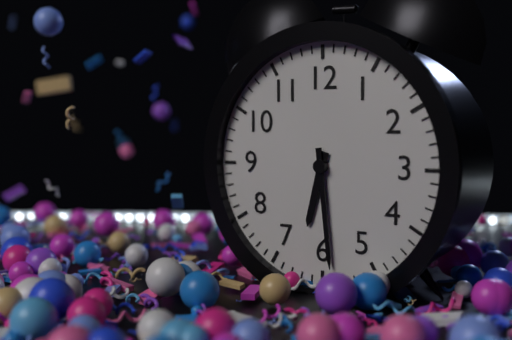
6 h 29 min
